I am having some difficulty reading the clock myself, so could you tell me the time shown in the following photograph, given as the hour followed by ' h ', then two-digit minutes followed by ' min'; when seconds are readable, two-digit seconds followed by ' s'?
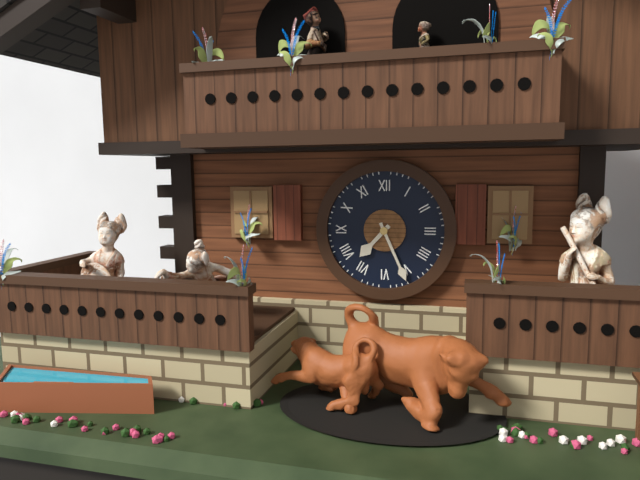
7 h 26 min
